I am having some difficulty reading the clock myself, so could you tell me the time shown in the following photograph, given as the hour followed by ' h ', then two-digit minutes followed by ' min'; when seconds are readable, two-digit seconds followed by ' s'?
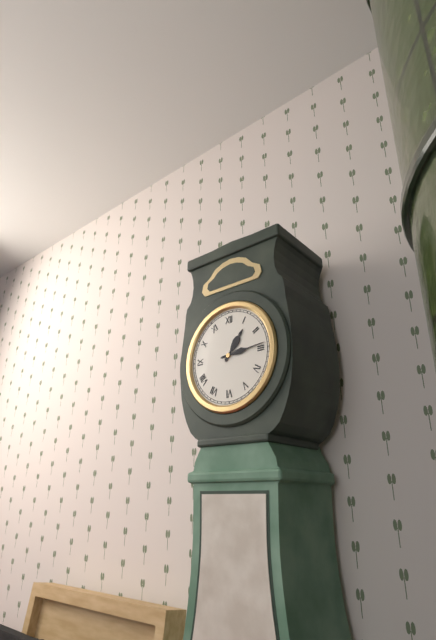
1 h 14 min
